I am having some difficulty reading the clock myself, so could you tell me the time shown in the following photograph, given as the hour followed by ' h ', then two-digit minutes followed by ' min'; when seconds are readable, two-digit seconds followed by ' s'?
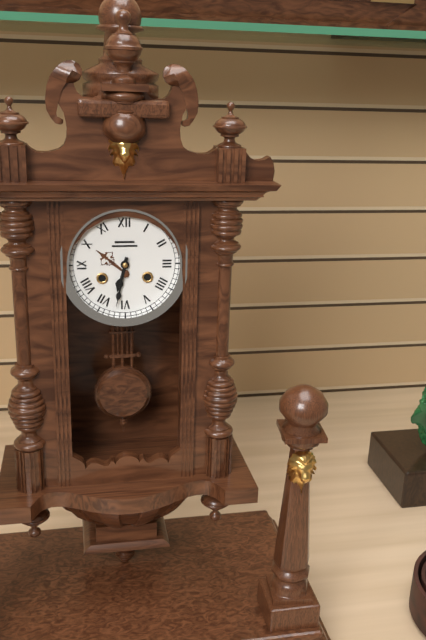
6 h 32 min
